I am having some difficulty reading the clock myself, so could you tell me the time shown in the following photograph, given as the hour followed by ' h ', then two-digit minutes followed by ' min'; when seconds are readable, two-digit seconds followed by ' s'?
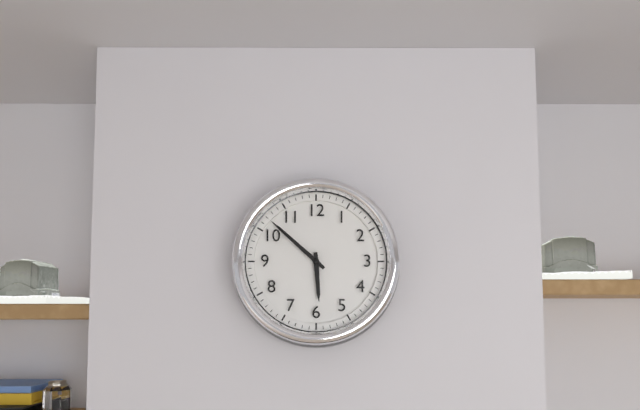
5 h 52 min
